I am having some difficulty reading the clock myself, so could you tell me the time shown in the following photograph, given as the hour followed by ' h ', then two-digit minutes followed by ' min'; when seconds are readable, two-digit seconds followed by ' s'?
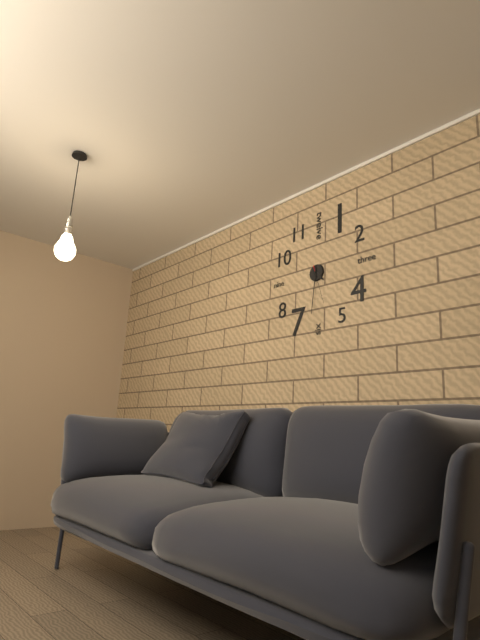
4 h 31 min
